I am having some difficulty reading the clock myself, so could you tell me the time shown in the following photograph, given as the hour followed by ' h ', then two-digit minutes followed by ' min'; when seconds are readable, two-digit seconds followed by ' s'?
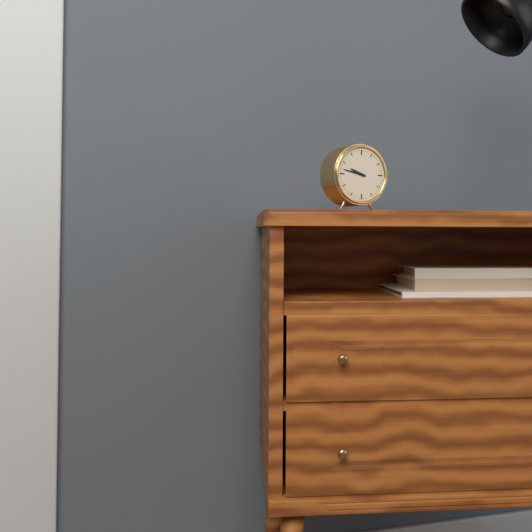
9 h 47 min
